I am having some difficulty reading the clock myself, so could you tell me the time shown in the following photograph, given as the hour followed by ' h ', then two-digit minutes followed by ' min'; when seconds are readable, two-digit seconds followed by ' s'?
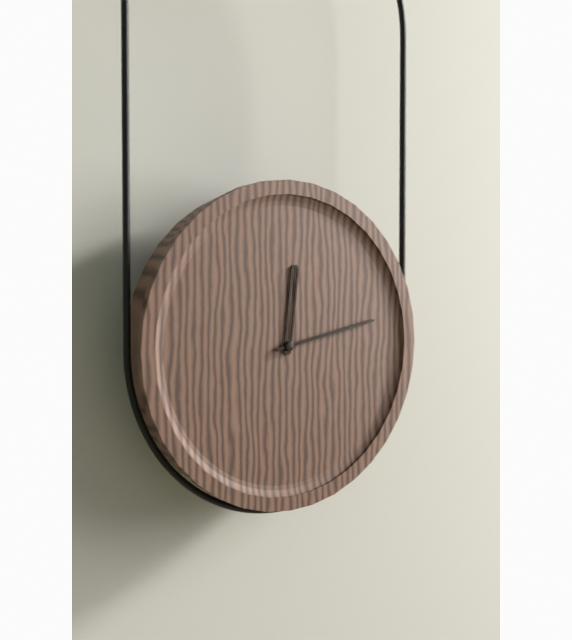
12 h 13 min
